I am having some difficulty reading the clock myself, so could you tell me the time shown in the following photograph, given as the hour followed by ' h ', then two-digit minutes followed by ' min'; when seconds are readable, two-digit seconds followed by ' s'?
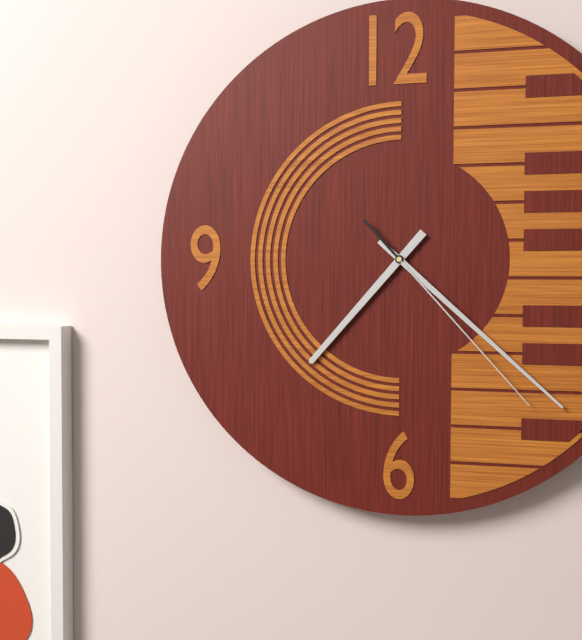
7 h 22 min 23 s
